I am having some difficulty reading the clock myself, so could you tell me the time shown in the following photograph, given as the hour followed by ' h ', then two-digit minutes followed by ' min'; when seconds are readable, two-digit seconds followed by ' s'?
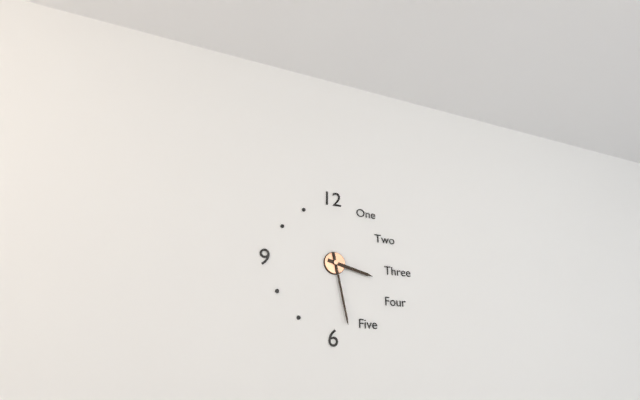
3 h 28 min
